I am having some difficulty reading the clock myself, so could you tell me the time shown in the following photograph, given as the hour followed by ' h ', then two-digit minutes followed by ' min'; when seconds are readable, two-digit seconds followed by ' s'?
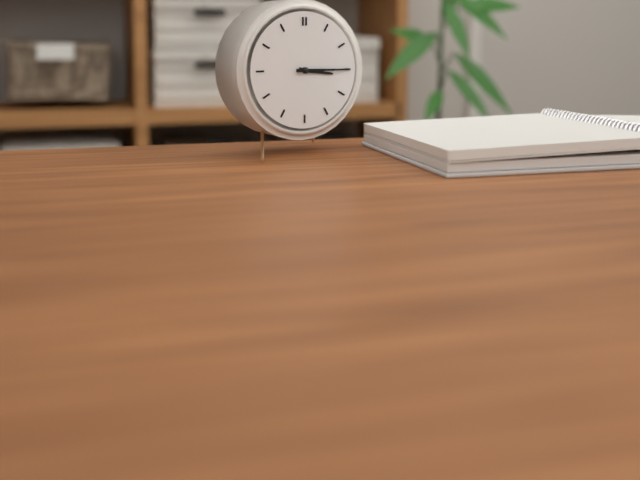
3 h 15 min
